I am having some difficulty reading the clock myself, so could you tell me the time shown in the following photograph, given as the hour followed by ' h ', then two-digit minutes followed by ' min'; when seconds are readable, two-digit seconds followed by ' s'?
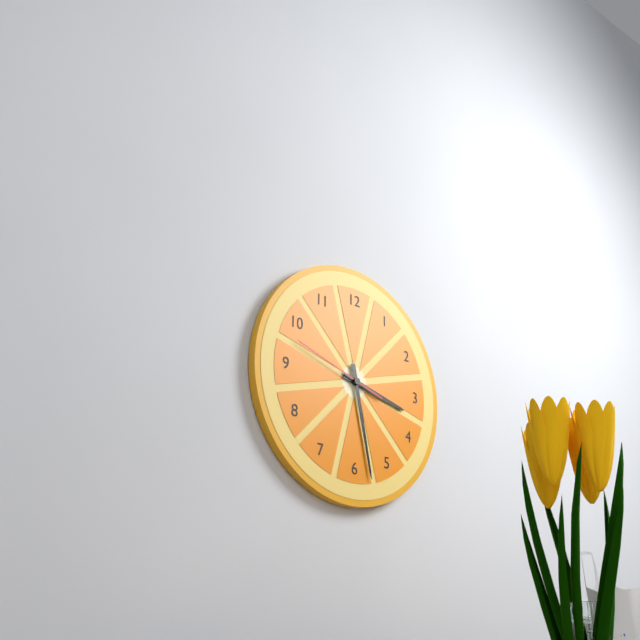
3 h 28 min 48 s
